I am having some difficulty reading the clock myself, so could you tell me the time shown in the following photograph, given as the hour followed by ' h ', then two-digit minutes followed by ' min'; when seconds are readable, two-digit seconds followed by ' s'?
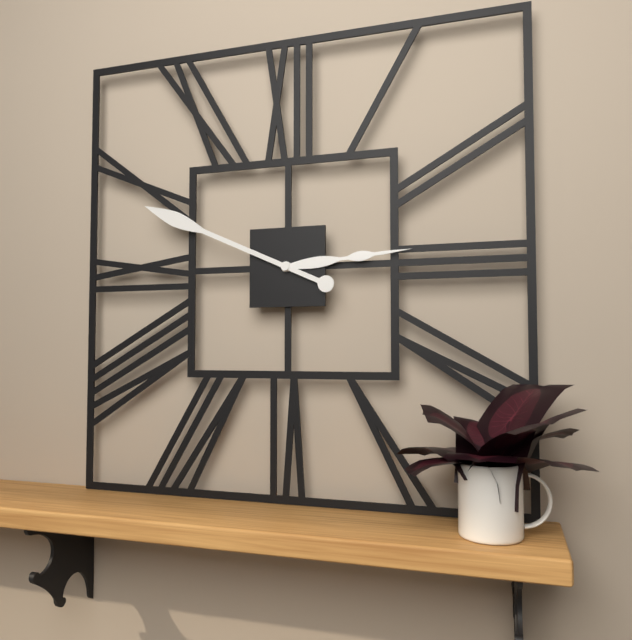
2 h 49 min
